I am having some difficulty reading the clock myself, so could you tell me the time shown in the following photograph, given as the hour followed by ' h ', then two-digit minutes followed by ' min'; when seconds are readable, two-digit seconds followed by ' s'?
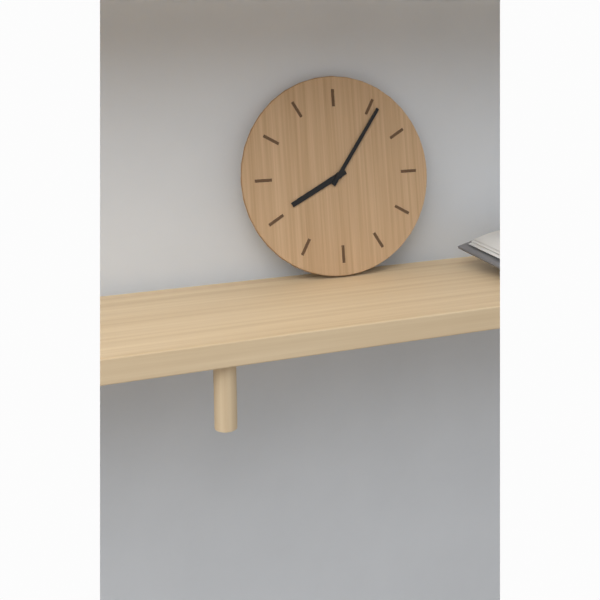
8 h 06 min
